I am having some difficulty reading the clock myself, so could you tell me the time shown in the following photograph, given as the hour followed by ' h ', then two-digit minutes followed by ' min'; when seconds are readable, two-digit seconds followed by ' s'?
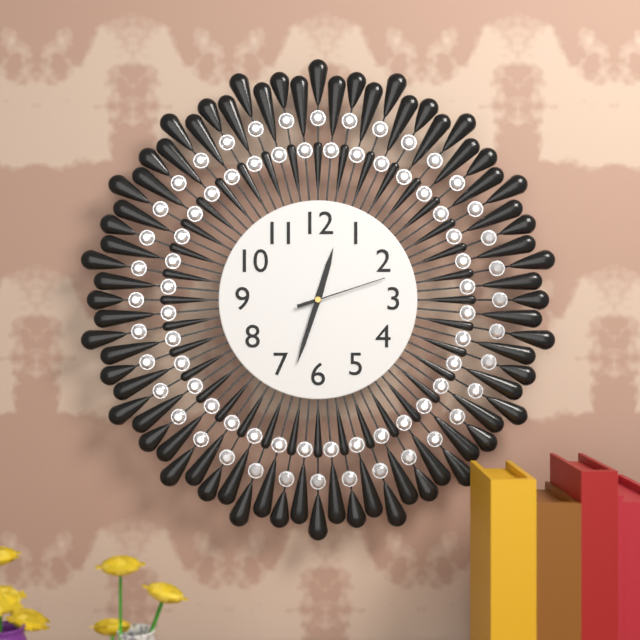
12 h 33 min 12 s
